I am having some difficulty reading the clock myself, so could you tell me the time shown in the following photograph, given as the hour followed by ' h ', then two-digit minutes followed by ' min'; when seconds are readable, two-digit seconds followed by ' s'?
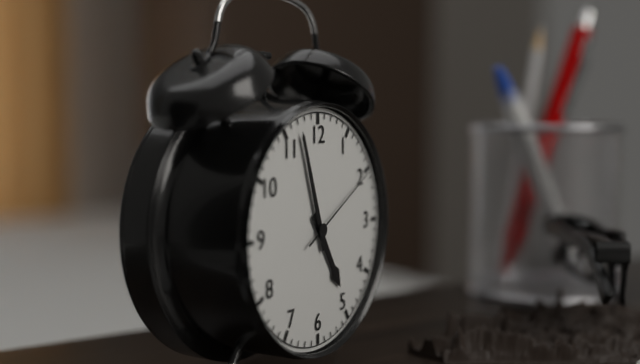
4 h 57 min 10 s
